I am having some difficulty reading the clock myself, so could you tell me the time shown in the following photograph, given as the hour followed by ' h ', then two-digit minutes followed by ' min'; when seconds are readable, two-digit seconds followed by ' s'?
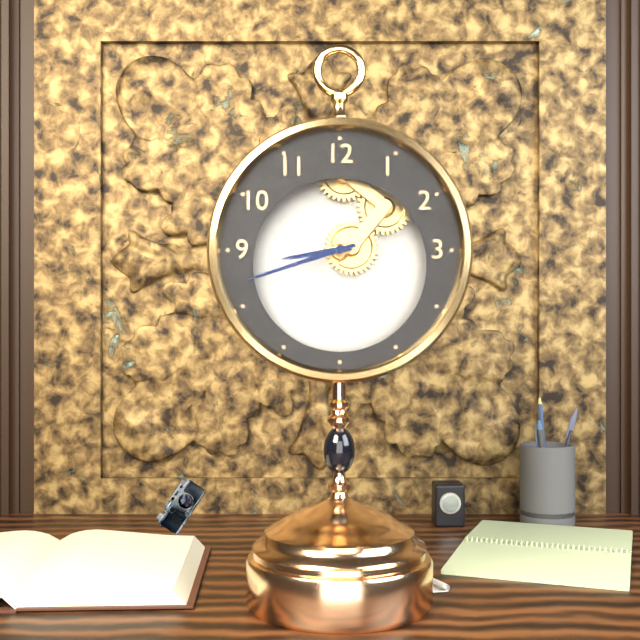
8 h 42 min
